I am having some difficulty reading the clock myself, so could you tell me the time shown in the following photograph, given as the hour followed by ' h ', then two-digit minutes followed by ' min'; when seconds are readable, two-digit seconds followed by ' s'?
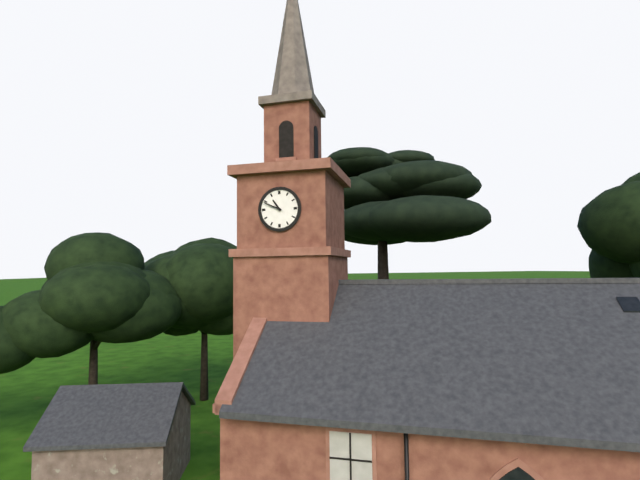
10 h 49 min
